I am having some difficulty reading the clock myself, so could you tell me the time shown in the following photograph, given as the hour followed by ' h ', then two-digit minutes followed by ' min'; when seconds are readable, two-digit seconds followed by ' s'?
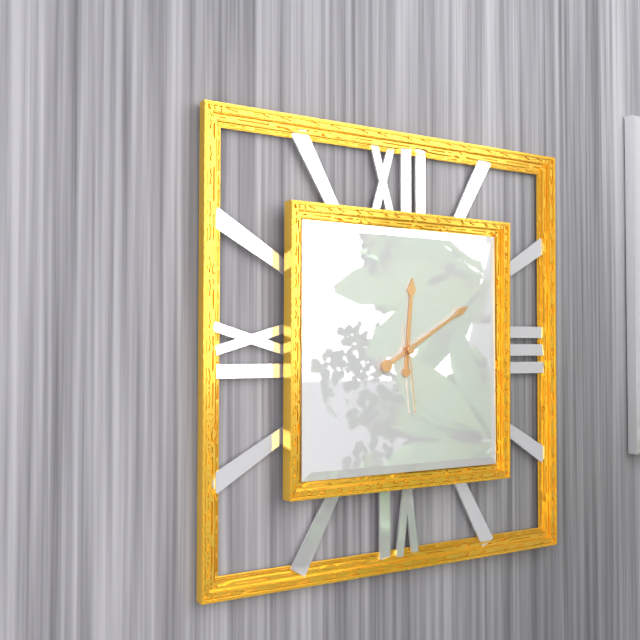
12 h 10 min 29 s
